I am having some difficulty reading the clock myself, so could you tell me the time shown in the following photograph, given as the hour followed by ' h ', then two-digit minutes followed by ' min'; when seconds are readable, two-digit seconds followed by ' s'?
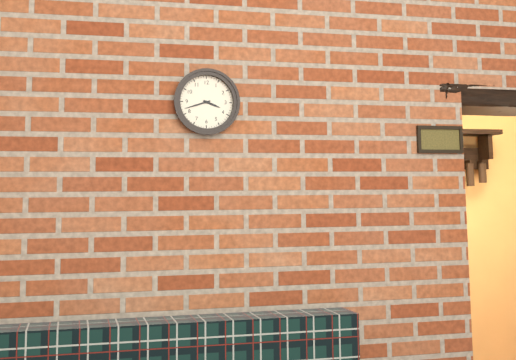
3 h 42 min
